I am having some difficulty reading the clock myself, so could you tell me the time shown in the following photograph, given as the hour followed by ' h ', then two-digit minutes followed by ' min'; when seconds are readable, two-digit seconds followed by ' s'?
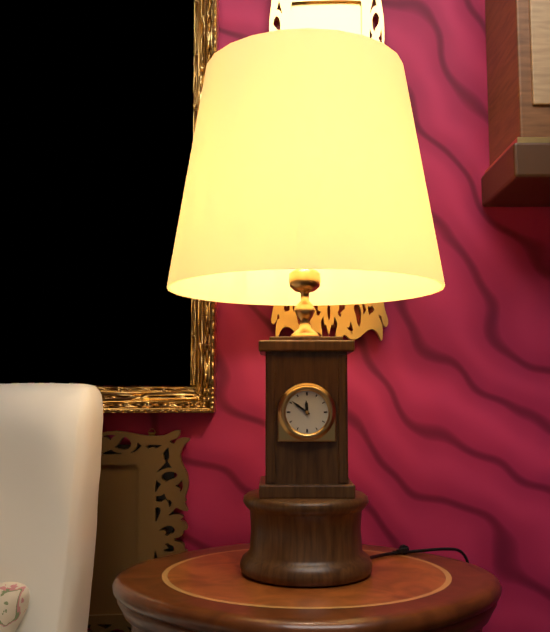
11 h 51 min
